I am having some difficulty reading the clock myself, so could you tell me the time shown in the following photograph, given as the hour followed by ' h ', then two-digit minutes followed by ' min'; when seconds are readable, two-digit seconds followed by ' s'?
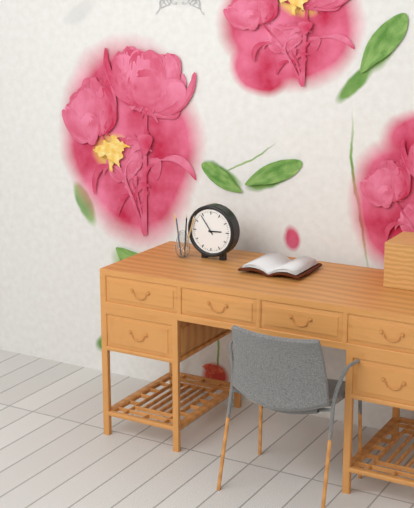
2 h 54 min
